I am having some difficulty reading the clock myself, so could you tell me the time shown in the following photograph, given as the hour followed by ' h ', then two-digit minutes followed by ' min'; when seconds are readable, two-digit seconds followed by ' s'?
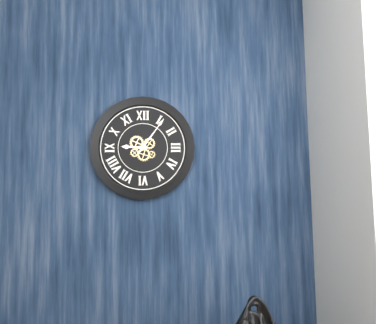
9 h 06 min
